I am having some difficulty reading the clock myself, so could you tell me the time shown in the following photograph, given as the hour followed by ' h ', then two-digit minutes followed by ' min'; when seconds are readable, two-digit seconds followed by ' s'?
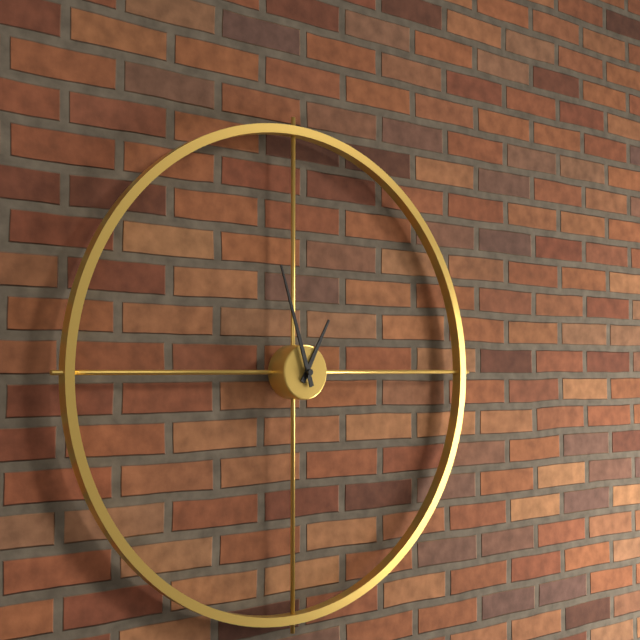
12 h 57 min
